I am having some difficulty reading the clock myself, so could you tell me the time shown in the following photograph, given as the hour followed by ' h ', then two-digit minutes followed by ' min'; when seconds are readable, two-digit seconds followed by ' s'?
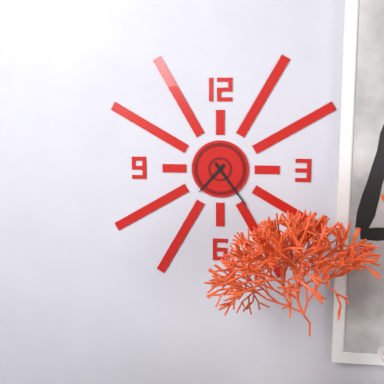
7 h 24 min
